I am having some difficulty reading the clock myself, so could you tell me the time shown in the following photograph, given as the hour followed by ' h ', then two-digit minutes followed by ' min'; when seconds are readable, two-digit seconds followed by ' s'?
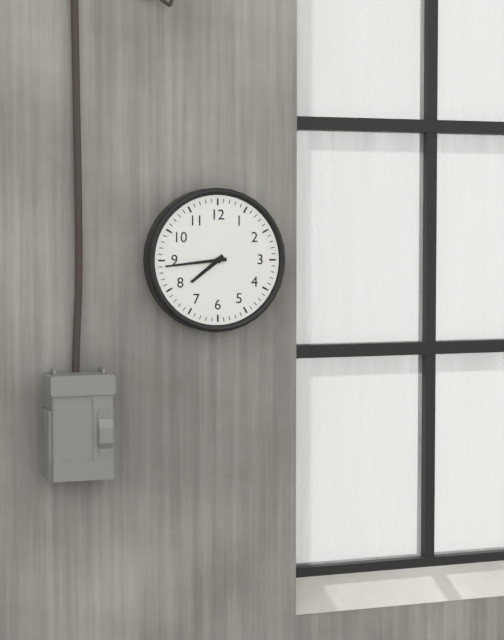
7 h 44 min
